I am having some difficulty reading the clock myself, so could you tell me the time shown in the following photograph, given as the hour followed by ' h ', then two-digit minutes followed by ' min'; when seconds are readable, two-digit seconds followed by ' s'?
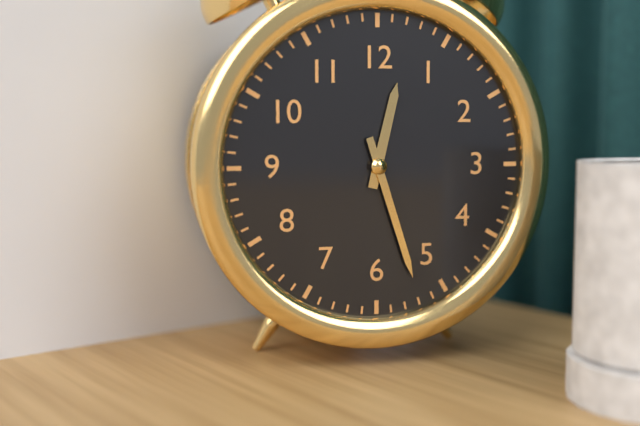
12 h 27 min
